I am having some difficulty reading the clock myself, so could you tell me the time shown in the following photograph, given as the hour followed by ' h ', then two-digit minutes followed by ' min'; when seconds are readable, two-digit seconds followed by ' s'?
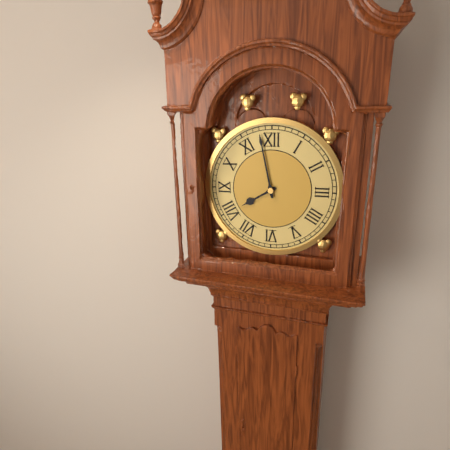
7 h 58 min
